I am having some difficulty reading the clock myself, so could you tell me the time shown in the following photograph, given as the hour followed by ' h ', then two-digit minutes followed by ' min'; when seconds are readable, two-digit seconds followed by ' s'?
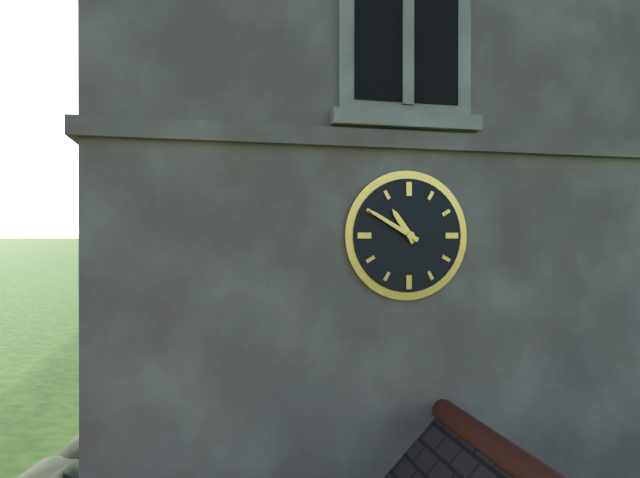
10 h 50 min
